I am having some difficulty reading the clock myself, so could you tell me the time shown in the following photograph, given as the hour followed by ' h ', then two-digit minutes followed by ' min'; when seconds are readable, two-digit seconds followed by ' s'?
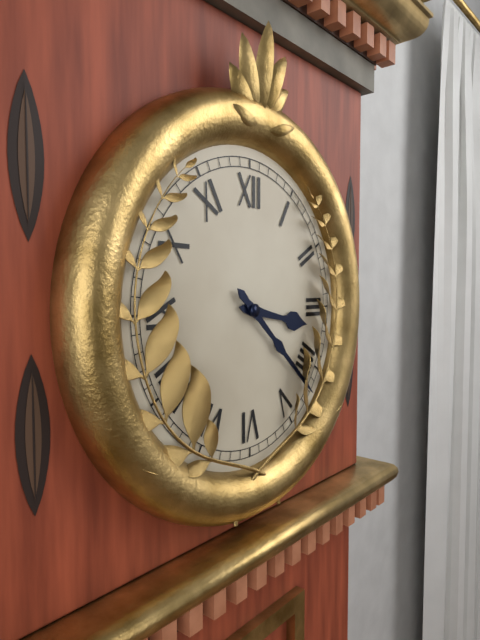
3 h 22 min
